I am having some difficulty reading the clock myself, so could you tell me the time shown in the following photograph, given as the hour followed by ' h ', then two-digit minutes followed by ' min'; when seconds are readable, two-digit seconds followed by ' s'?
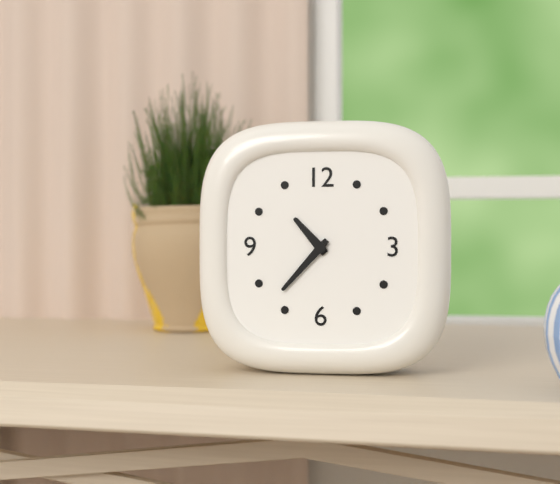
10 h 37 min
